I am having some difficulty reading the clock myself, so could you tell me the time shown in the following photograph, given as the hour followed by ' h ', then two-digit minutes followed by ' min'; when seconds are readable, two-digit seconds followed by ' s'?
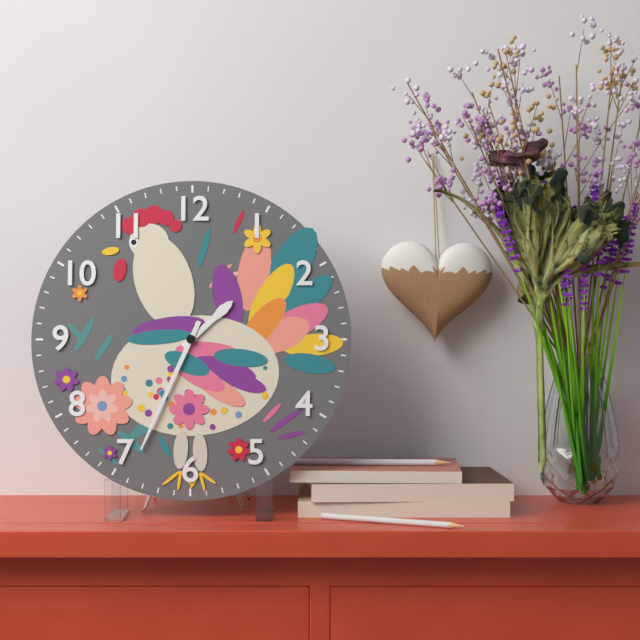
1 h 34 min
